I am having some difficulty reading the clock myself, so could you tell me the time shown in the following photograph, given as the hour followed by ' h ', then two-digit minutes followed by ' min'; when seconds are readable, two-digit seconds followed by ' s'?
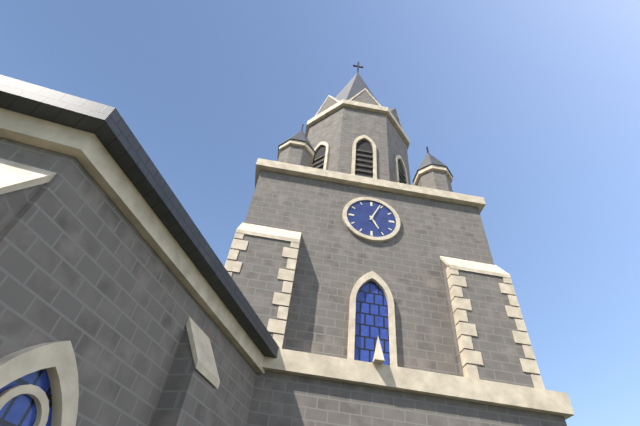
5 h 04 min
